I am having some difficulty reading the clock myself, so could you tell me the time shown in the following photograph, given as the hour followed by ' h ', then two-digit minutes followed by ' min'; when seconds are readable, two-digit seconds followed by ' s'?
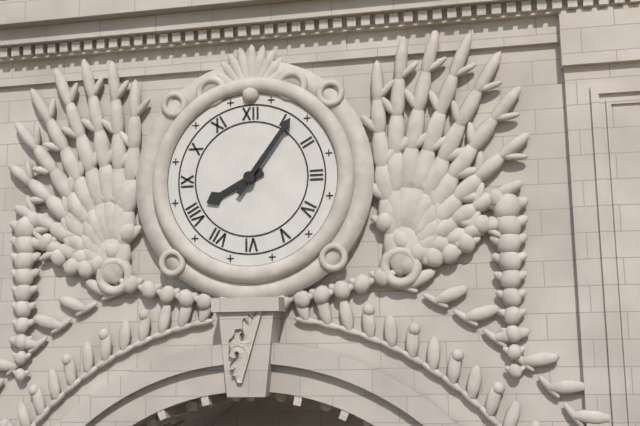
8 h 06 min
